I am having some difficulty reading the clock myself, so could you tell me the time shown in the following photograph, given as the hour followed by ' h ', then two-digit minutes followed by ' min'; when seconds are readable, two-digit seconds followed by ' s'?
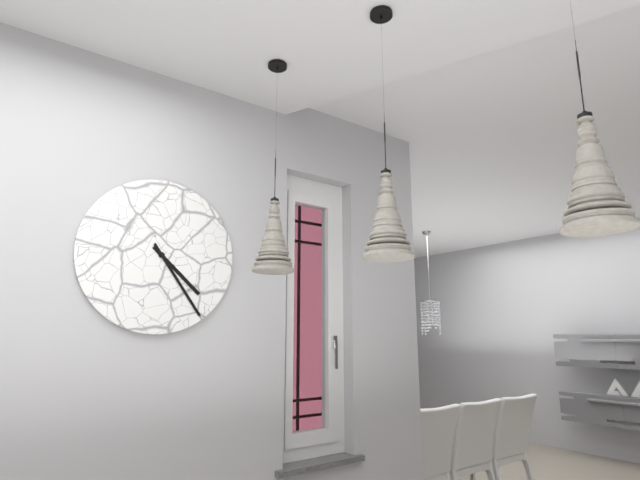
4 h 24 min
